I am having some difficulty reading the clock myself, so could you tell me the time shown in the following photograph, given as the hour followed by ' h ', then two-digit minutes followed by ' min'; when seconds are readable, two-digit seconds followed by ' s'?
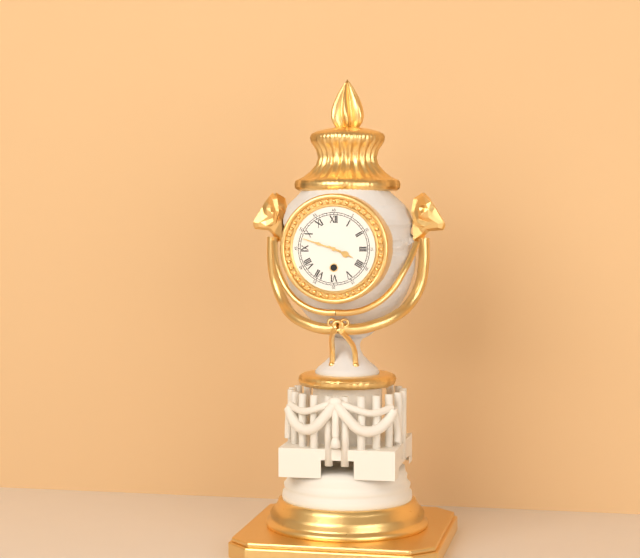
3 h 48 min
